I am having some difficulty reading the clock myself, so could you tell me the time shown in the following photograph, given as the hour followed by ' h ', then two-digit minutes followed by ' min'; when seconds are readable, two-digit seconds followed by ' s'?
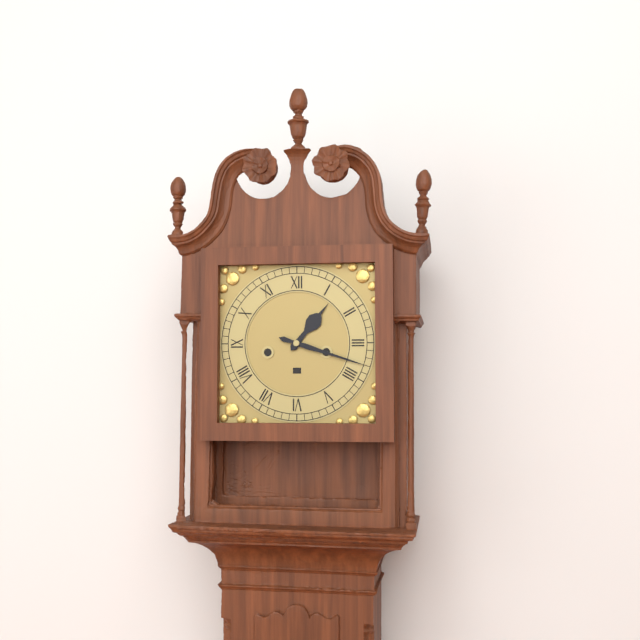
1 h 18 min
